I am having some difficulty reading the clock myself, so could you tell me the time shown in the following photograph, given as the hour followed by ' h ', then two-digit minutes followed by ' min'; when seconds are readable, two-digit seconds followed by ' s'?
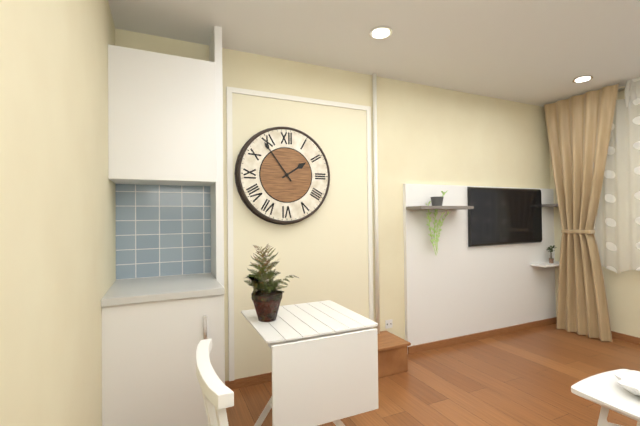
1 h 54 min
